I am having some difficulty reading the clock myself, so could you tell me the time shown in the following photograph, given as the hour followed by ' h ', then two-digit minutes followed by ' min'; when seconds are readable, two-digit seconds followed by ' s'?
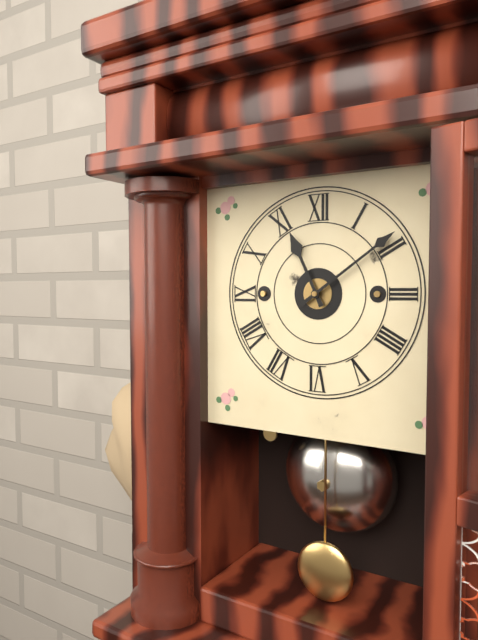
11 h 09 min
